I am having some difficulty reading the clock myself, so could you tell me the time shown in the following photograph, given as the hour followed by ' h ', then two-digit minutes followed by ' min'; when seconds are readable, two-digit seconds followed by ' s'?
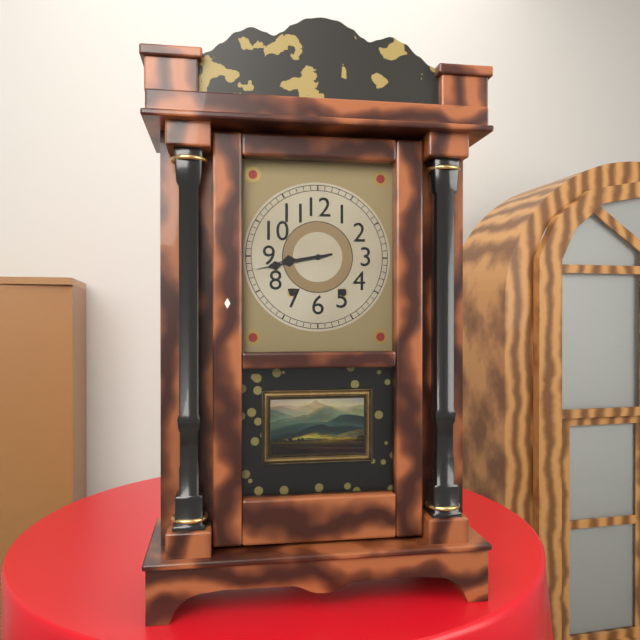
8 h 43 min
